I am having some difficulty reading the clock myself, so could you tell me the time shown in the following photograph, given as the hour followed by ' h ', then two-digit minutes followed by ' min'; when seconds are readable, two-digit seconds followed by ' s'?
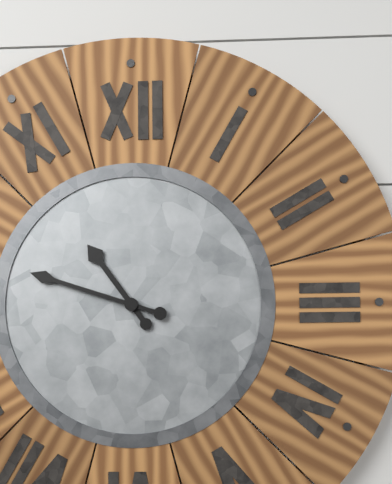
10 h 48 min
